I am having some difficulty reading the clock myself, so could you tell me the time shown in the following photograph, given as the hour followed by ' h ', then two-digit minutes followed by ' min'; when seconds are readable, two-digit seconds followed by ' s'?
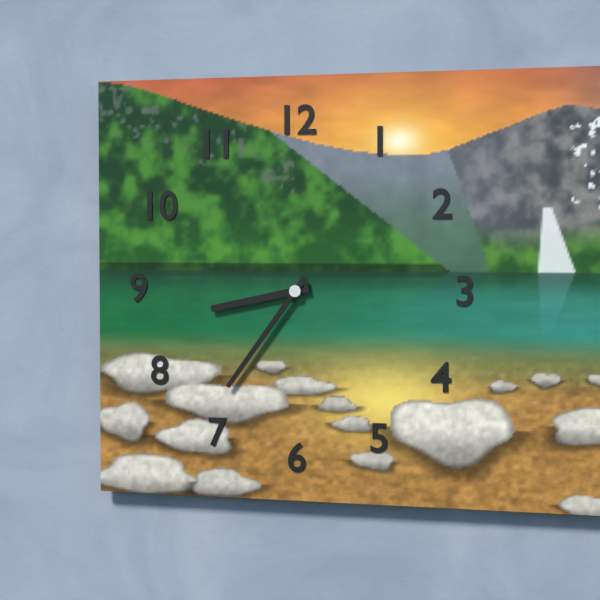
8 h 36 min
